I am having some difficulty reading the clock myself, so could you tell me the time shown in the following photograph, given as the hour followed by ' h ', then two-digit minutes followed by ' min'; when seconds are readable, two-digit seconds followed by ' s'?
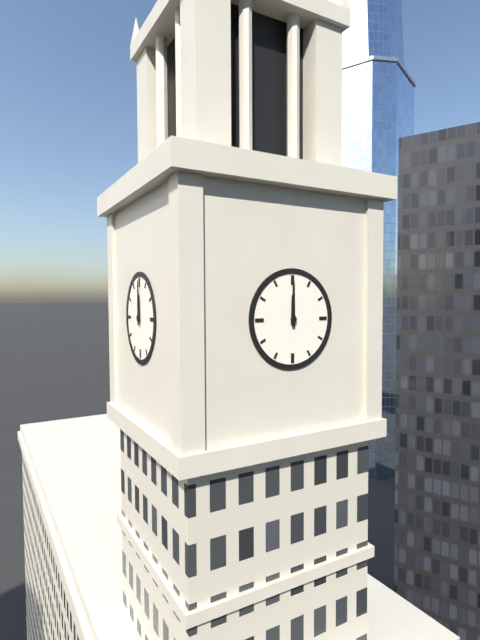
12 h 00 min
